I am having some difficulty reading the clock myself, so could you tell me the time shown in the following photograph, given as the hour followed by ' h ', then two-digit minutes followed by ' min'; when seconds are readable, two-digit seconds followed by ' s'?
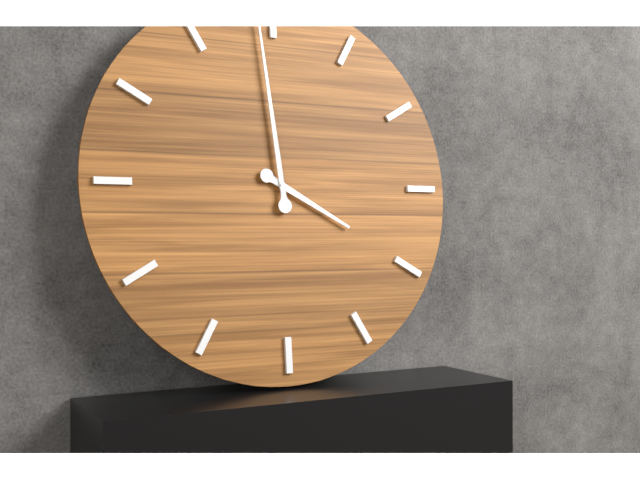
3 h 59 min
